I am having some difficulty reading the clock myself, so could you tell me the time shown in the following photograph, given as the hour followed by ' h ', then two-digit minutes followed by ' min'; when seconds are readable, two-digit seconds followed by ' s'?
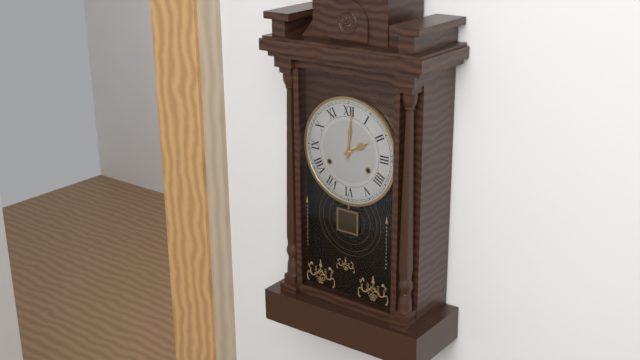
2 h 01 min
